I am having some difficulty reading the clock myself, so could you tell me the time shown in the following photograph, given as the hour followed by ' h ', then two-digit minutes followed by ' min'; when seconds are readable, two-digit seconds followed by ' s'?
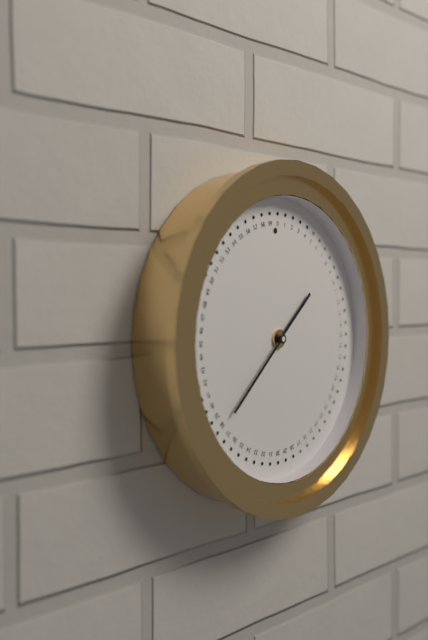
1 h 38 min
